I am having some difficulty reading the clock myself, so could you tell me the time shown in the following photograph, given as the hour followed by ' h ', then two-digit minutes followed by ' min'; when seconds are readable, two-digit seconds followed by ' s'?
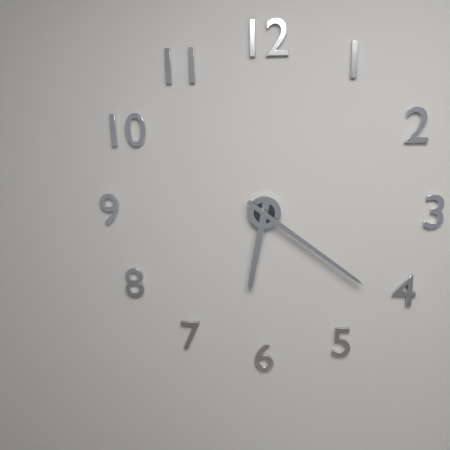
6 h 21 min
